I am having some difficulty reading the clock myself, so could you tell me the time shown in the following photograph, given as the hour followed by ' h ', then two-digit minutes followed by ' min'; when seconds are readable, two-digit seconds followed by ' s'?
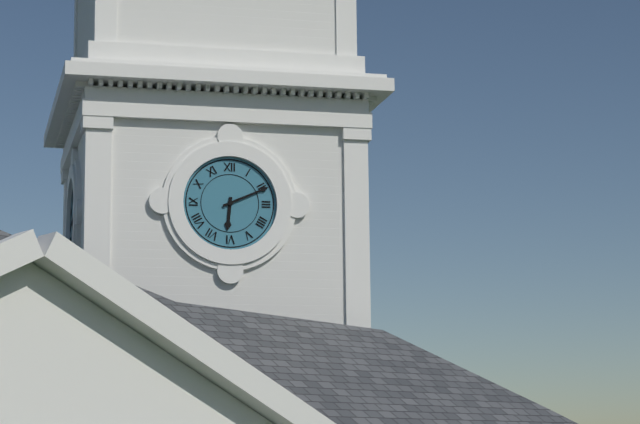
6 h 11 min
